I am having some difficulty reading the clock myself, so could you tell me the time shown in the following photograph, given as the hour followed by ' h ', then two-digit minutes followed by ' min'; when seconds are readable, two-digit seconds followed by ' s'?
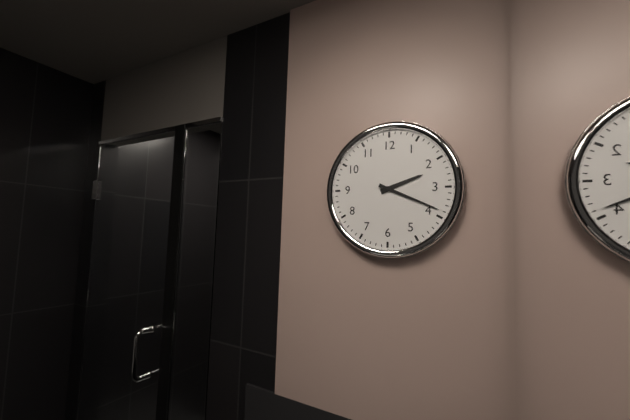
2 h 19 min
